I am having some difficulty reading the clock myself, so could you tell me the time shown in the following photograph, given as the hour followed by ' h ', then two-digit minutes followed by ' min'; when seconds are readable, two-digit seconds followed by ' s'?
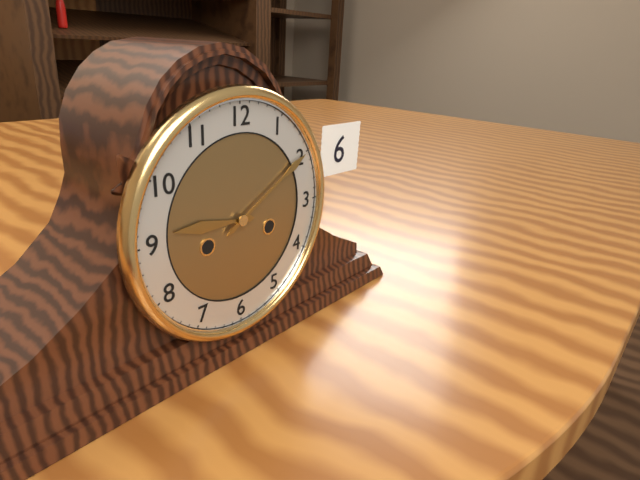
9 h 10 min
